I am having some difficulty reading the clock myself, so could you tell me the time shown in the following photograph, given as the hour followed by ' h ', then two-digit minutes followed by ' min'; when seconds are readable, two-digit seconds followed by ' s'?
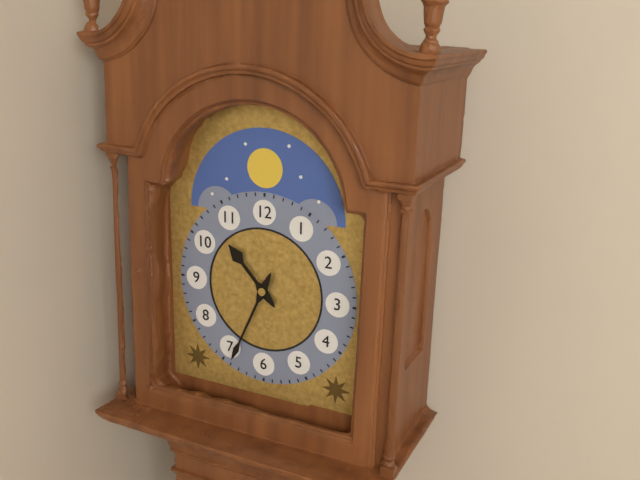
10 h 34 min
